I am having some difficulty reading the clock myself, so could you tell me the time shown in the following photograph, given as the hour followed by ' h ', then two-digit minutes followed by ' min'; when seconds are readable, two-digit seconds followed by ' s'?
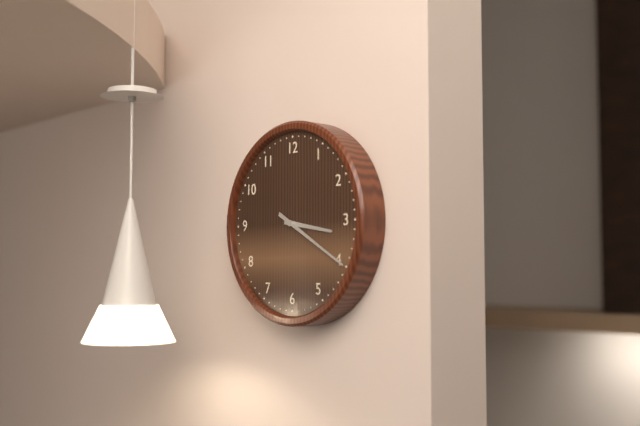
3 h 20 min
